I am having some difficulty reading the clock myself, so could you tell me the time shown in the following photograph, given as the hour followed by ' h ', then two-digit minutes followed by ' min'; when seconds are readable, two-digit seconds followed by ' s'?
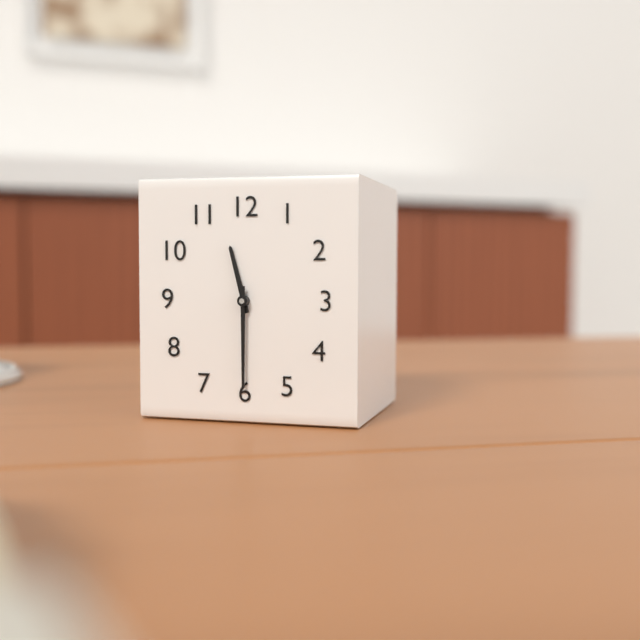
11 h 30 min
